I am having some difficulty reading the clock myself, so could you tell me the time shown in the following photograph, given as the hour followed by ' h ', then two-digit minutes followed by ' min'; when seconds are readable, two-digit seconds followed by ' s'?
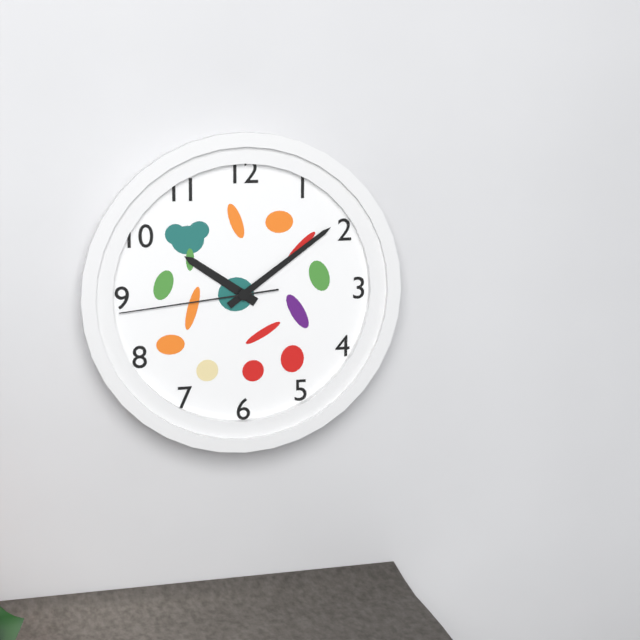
10 h 09 min 44 s
